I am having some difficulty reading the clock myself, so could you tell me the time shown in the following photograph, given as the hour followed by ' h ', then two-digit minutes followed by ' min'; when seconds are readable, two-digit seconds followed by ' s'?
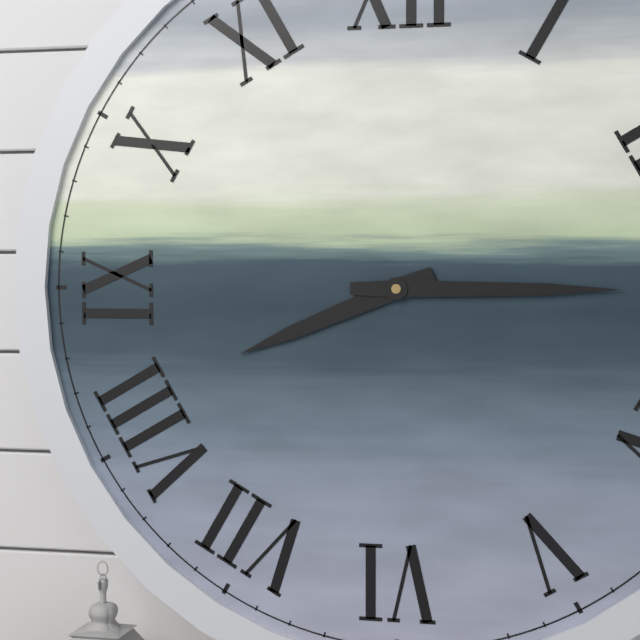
8 h 15 min
